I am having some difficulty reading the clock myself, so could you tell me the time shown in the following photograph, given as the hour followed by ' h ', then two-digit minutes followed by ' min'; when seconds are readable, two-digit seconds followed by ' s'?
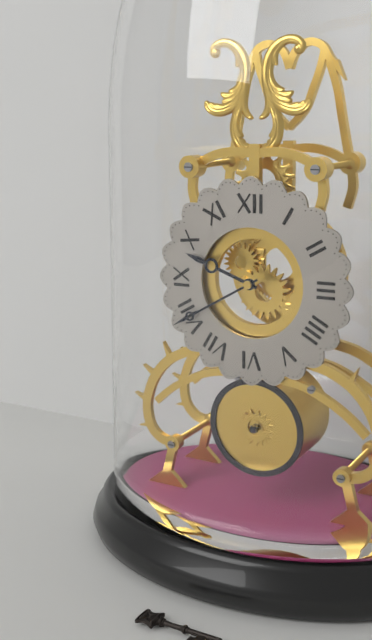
9 h 40 min
